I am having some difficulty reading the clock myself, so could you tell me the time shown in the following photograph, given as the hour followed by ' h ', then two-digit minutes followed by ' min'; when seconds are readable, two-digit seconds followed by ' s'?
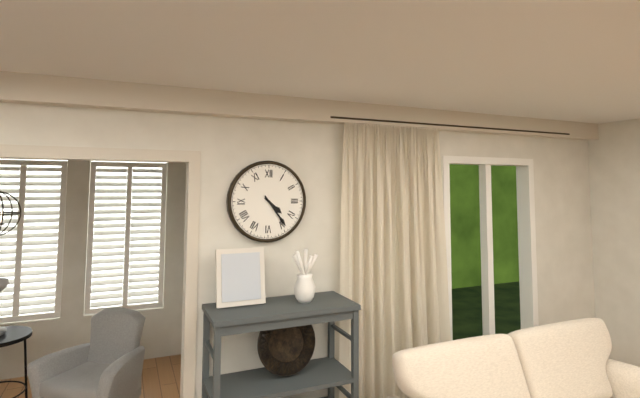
4 h 24 min
